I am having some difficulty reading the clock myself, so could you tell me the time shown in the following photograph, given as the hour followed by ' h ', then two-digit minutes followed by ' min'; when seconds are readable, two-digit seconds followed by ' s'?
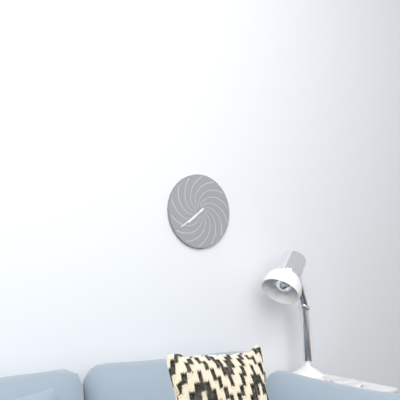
7 h 39 min
